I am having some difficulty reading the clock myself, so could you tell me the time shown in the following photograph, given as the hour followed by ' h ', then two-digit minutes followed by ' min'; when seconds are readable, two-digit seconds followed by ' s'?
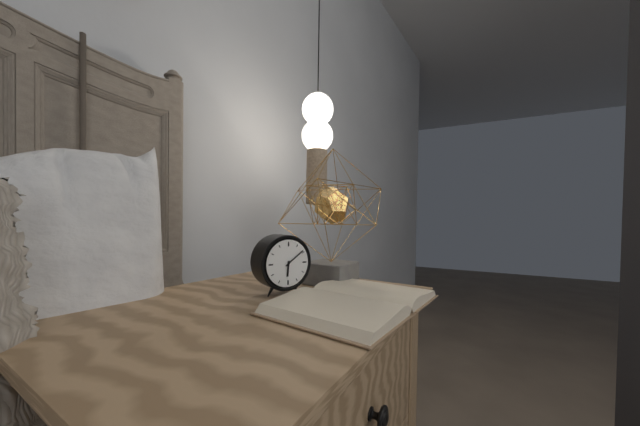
6 h 09 min
